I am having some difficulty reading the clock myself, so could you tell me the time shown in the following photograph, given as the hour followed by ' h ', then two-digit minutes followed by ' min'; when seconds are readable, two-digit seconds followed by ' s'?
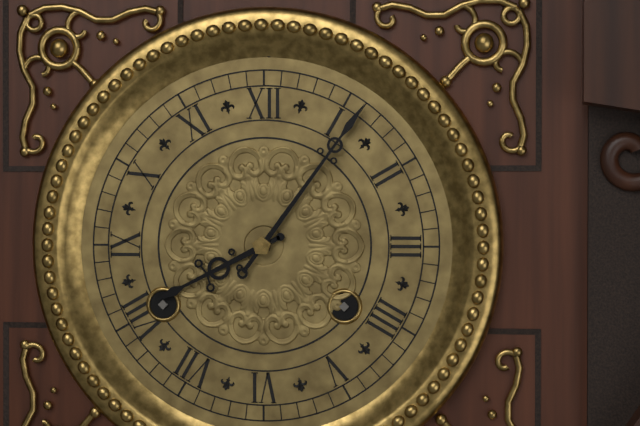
8 h 06 min
